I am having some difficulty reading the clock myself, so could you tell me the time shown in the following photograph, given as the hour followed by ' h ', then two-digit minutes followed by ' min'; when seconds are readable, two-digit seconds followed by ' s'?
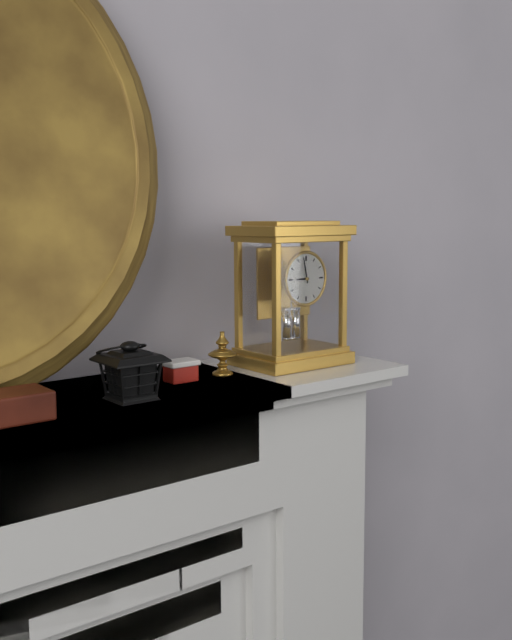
8 h 58 min
